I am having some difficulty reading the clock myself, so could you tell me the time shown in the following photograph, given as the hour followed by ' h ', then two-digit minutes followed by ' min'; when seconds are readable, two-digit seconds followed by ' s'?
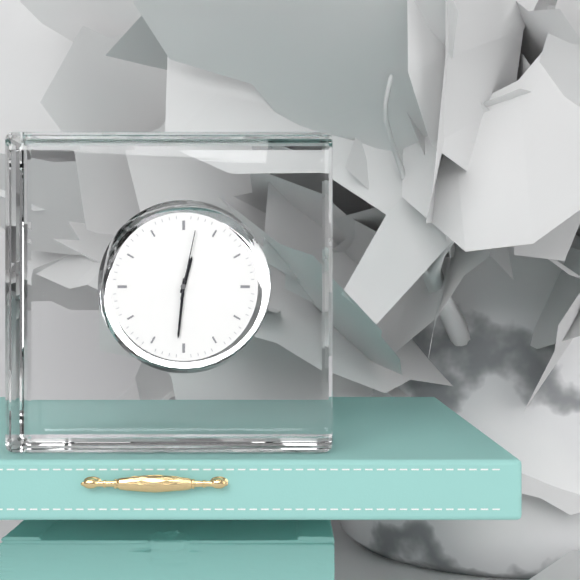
12 h 31 min 02 s
